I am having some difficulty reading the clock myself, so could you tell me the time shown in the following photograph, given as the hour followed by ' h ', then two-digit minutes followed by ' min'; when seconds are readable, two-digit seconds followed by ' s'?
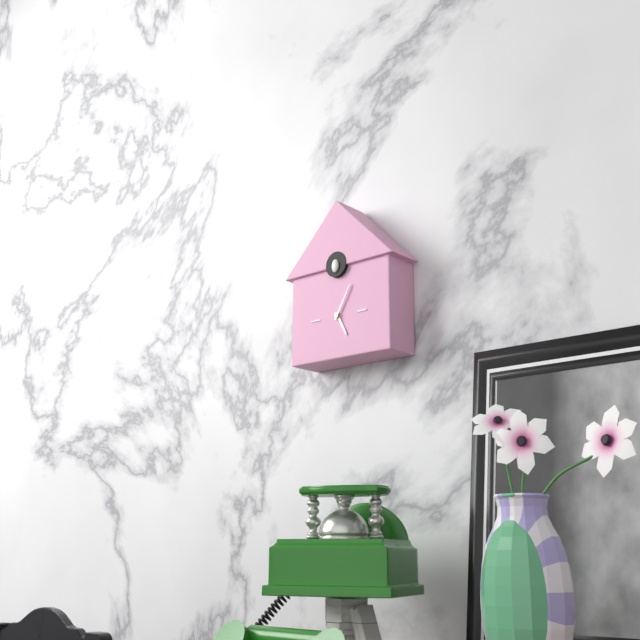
5 h 05 min
